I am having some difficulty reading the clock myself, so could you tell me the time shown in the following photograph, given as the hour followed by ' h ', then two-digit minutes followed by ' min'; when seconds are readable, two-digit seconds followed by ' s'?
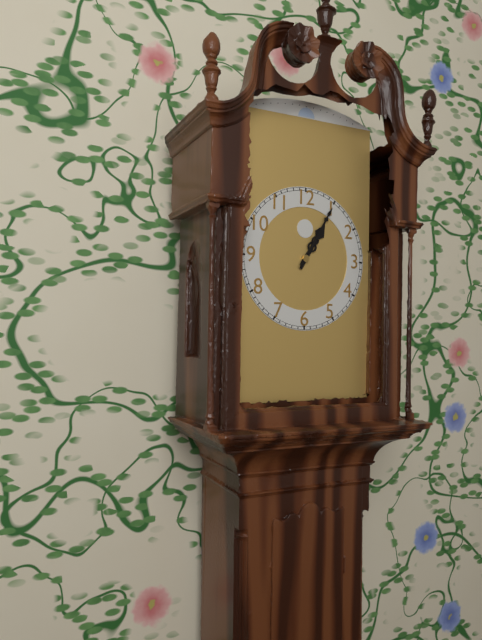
1 h 05 min
